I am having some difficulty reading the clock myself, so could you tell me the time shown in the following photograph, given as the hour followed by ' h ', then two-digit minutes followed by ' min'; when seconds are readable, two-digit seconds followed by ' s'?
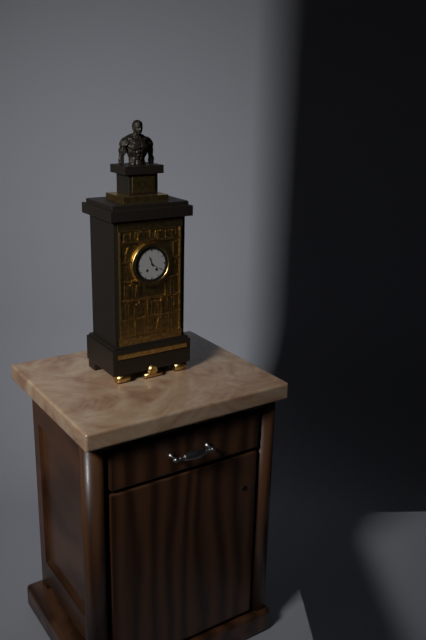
11 h 20 min
